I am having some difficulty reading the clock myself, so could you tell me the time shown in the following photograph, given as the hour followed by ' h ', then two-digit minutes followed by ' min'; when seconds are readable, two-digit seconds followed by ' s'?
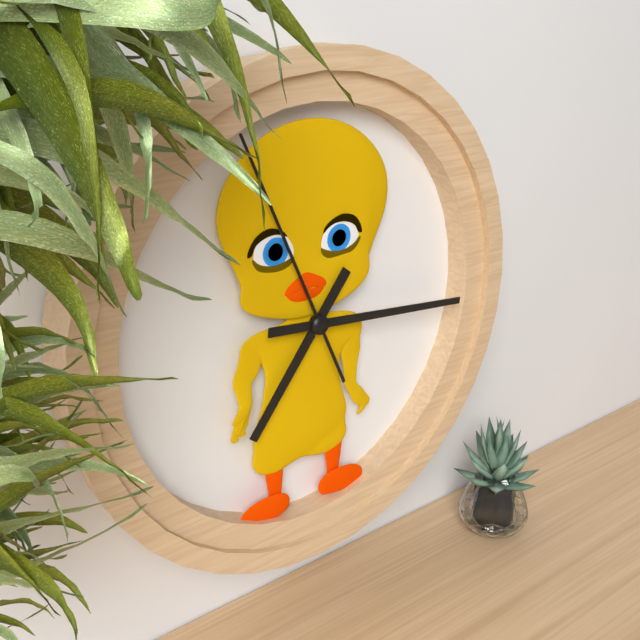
7 h 16 min 56 s
